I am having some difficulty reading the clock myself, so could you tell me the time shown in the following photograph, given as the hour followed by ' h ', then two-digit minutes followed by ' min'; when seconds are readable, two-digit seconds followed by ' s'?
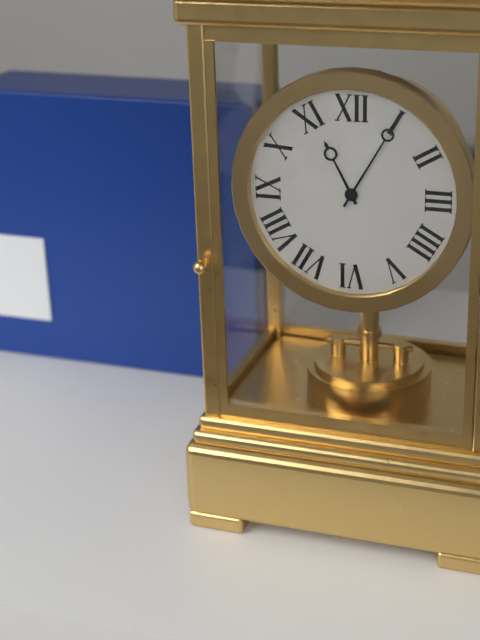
11 h 05 min
